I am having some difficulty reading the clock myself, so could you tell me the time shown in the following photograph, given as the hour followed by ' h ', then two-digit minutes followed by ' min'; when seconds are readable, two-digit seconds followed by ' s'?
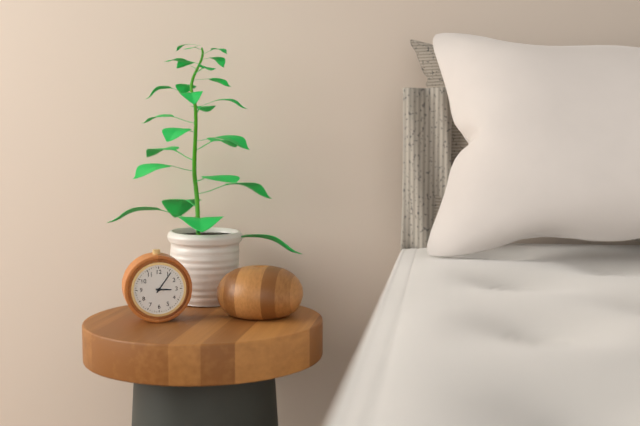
3 h 06 min
